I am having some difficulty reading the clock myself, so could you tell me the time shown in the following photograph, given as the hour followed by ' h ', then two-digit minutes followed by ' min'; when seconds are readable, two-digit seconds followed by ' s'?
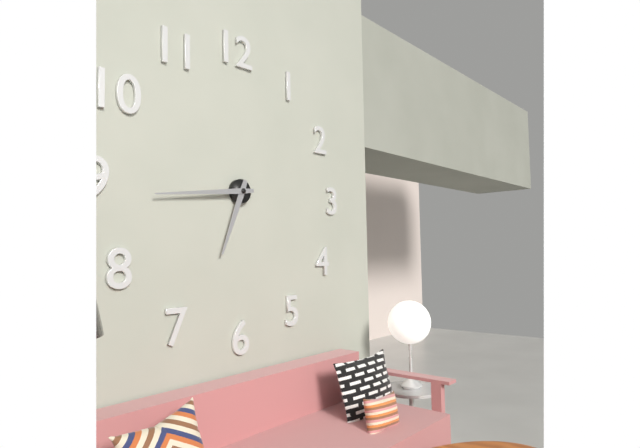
6 h 44 min
